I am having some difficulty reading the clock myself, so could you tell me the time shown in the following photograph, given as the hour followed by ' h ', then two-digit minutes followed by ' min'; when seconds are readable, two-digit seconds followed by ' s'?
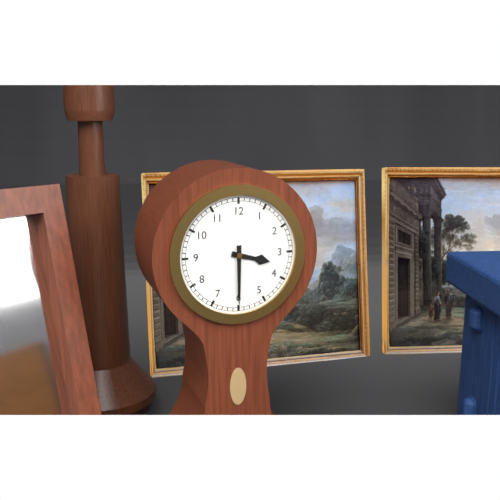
3 h 30 min
